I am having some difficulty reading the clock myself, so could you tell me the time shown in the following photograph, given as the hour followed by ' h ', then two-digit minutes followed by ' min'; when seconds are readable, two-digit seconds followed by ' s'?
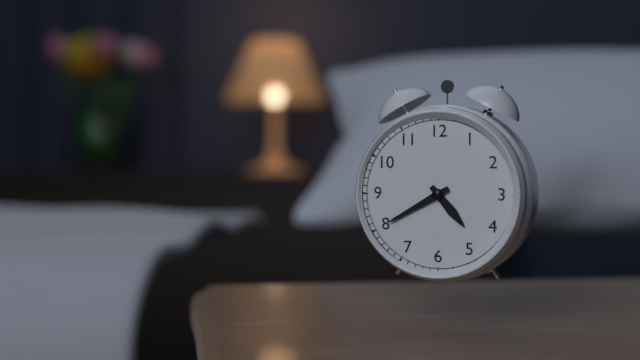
4 h 40 min
